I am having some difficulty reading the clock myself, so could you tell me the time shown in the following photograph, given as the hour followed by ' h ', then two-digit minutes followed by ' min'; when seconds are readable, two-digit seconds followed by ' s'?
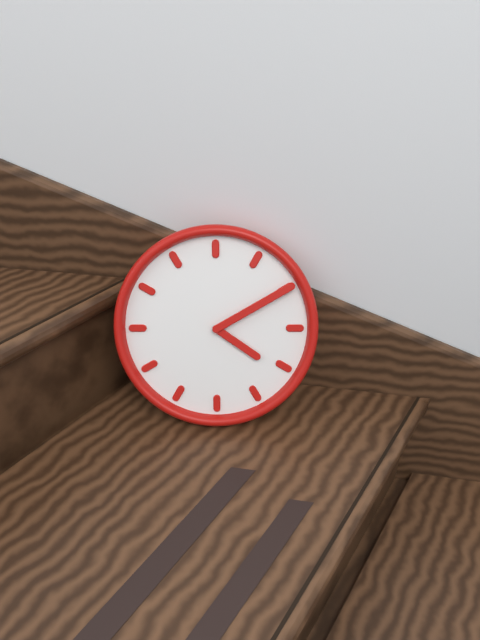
4 h 10 min
